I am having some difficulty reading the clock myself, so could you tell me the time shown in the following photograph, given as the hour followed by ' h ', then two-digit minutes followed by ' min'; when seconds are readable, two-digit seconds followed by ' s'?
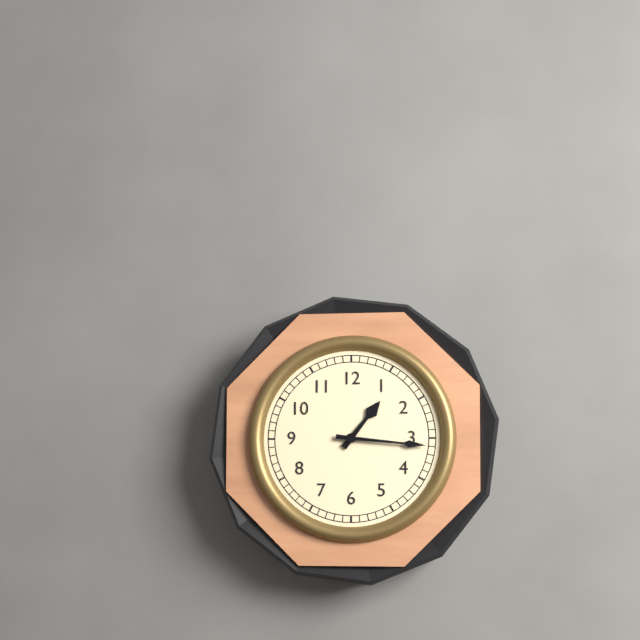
1 h 16 min
